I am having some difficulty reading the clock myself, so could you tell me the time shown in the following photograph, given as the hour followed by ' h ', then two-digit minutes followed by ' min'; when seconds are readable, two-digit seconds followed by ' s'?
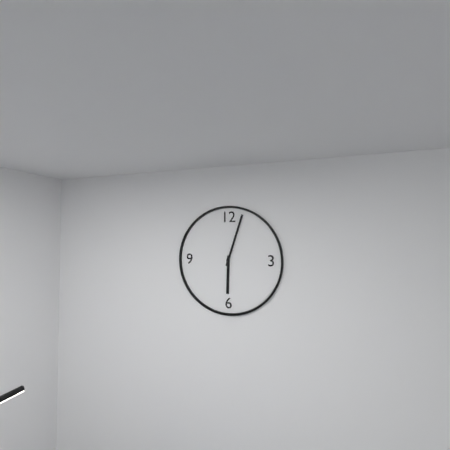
6 h 03 min
